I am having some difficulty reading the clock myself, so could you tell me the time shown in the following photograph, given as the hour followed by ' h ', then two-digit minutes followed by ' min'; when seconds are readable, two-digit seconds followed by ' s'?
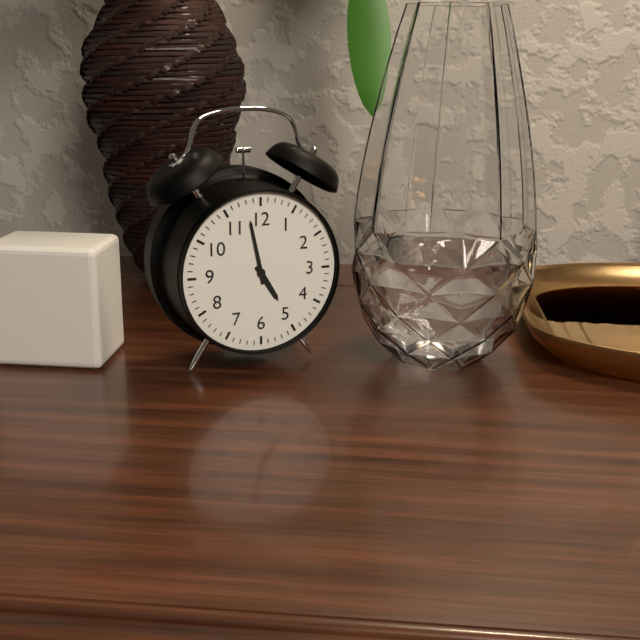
4 h 58 min
